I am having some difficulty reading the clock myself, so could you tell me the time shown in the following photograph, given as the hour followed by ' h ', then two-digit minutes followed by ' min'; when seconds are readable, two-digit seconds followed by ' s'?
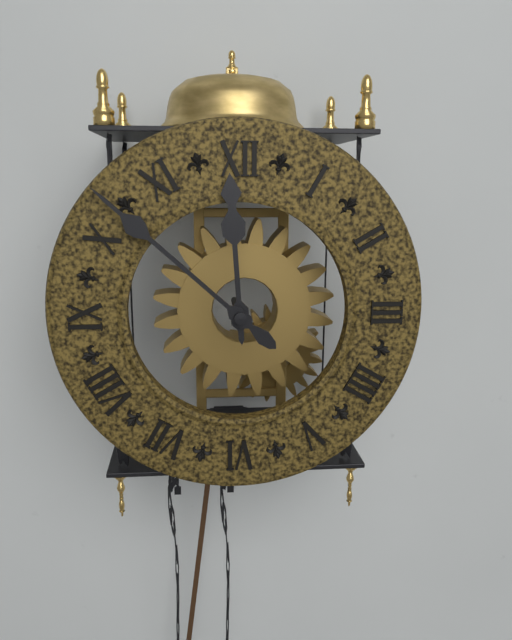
11 h 52 min
